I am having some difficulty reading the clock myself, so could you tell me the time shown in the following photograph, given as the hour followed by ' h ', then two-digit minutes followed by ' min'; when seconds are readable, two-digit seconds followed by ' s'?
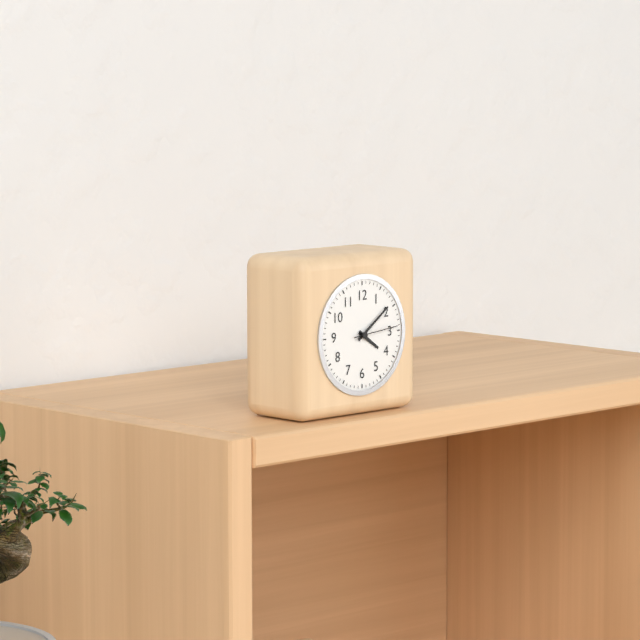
4 h 09 min
